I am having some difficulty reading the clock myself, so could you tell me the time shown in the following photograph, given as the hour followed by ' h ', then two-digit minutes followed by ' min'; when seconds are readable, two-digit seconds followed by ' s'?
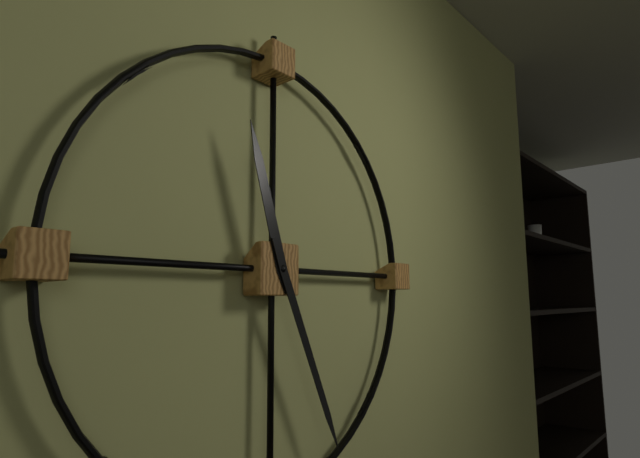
11 h 26 min
